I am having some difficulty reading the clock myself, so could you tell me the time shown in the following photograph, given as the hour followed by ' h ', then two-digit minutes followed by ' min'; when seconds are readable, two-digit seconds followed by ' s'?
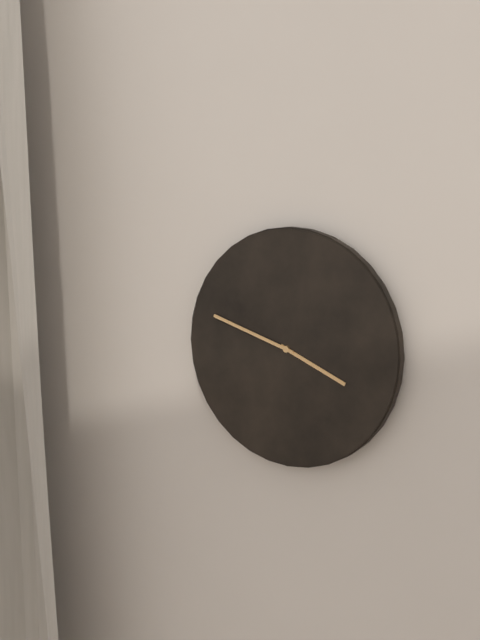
3 h 48 min
